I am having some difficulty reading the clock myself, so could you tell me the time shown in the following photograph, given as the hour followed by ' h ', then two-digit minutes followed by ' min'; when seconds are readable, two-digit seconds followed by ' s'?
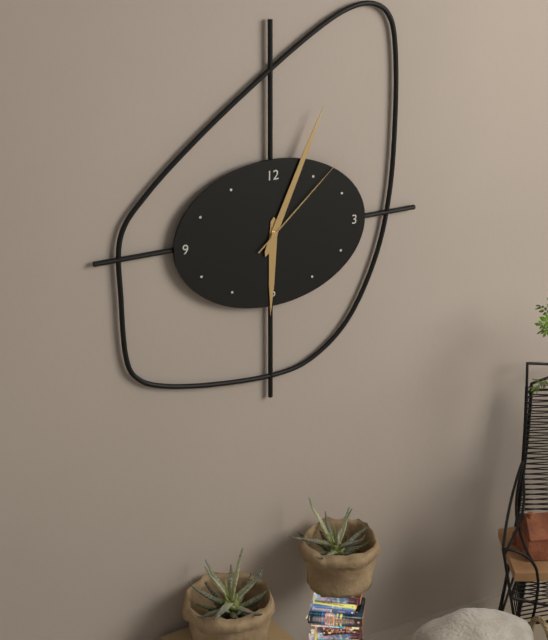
6 h 04 min 08 s
